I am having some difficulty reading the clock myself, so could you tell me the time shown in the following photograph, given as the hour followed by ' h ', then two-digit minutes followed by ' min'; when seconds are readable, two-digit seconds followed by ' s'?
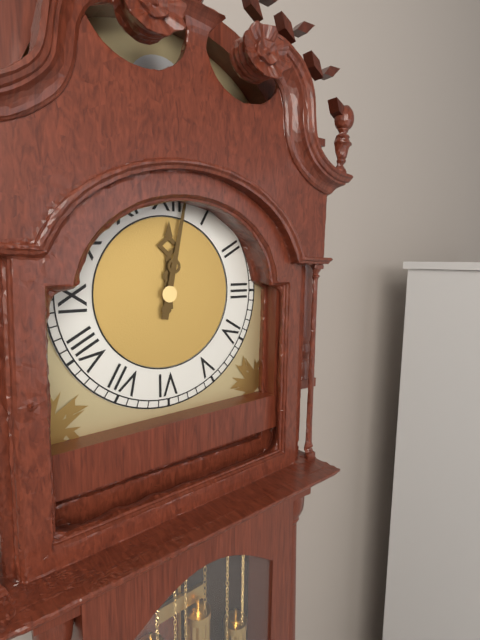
12 h 02 min
